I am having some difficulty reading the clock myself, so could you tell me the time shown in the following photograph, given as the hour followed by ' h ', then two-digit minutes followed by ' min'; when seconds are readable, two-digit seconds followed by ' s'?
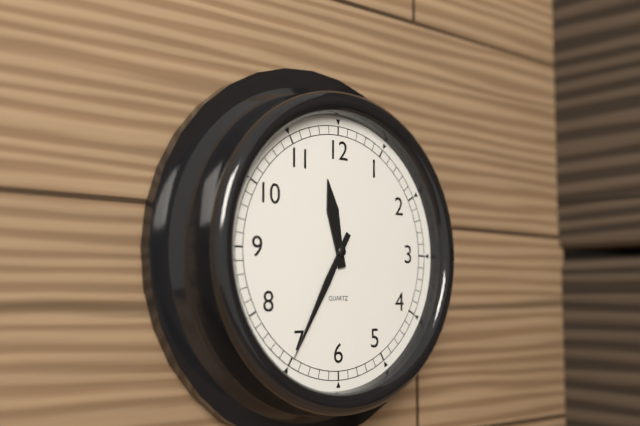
11 h 35 min
